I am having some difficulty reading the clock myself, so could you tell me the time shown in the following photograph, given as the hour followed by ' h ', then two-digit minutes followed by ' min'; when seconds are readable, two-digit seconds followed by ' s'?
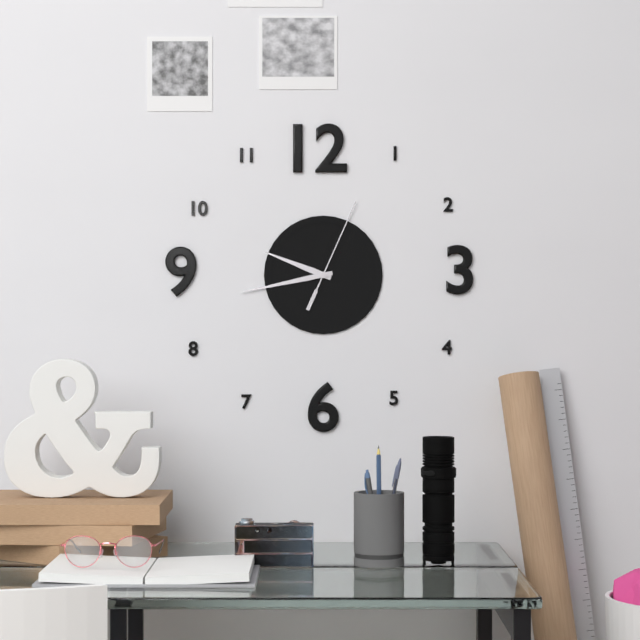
9 h 43 min 04 s
